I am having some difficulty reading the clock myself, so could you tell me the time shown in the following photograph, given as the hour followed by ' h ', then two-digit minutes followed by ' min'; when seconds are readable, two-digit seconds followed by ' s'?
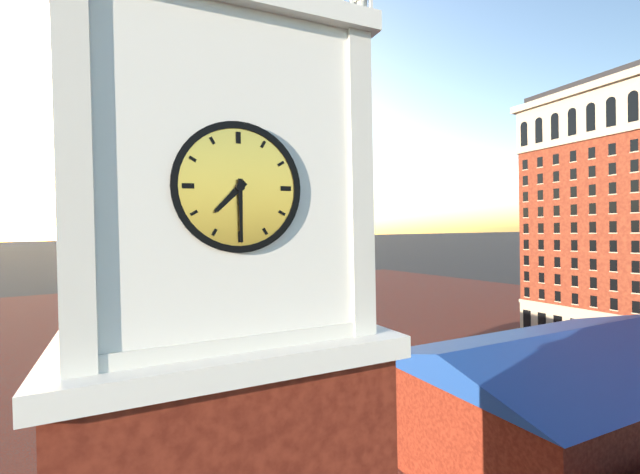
7 h 30 min
